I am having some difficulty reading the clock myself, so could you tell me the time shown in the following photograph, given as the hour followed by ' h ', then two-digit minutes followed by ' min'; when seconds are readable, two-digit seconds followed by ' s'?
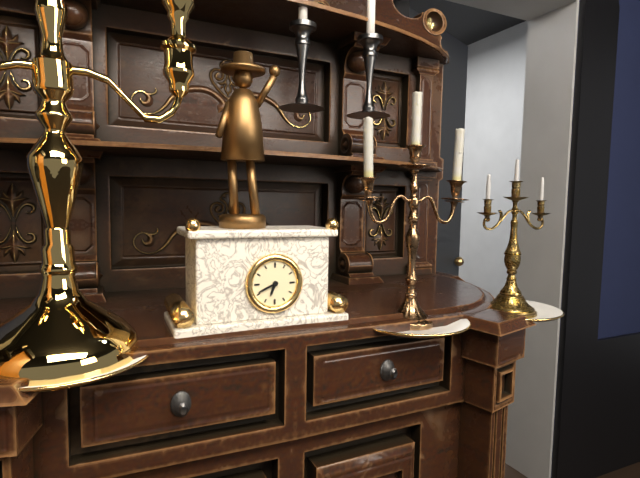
6 h 41 min
